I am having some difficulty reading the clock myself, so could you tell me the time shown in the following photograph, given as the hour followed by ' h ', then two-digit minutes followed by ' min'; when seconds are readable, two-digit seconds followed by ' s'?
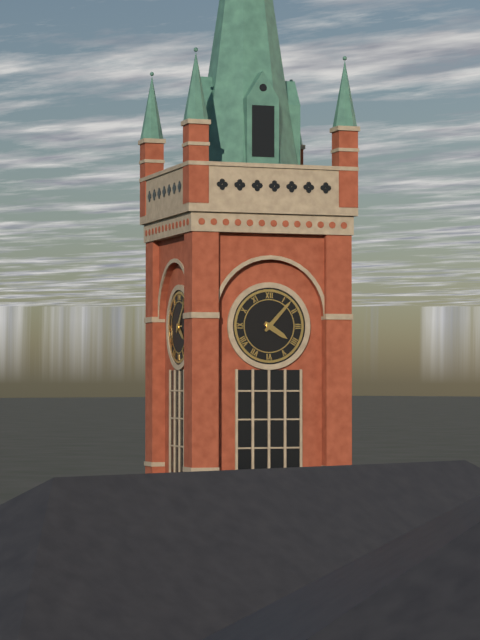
4 h 07 min
